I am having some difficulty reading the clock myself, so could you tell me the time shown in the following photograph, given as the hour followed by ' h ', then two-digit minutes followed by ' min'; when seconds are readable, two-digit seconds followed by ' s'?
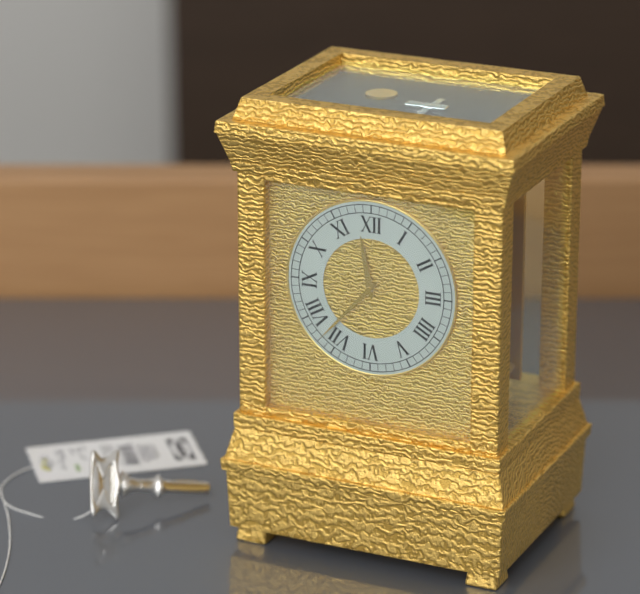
11 h 37 min
